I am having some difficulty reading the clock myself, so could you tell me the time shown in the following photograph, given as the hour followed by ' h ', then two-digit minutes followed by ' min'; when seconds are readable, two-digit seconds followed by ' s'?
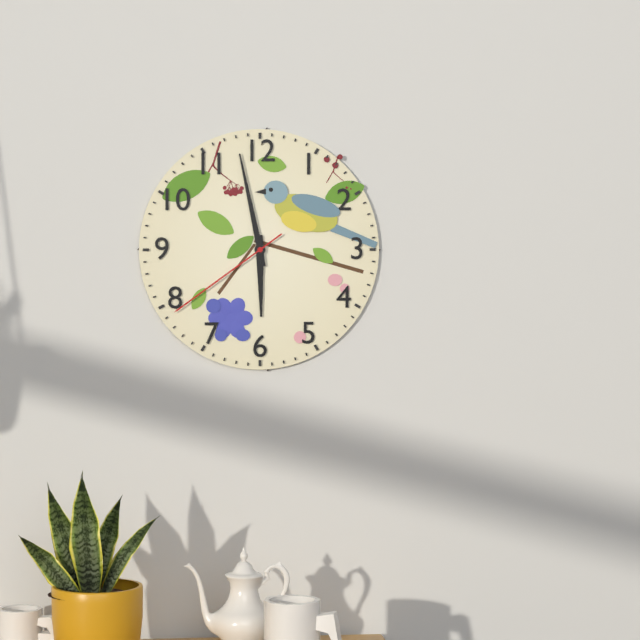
5 h 58 min 39 s
